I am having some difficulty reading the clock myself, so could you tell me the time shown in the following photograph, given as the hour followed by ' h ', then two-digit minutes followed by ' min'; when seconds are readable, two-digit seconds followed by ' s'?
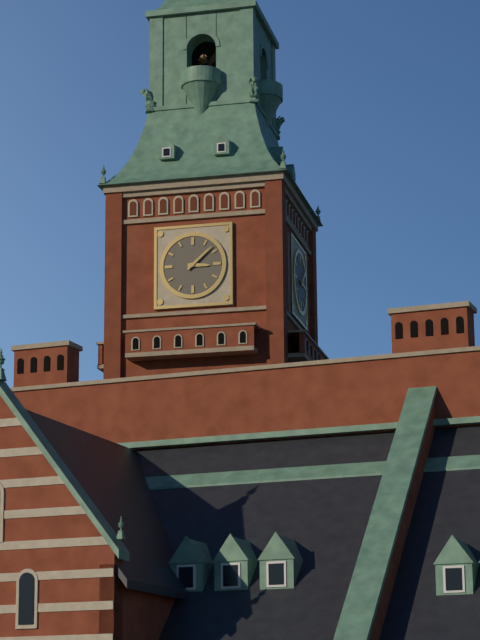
3 h 08 min
